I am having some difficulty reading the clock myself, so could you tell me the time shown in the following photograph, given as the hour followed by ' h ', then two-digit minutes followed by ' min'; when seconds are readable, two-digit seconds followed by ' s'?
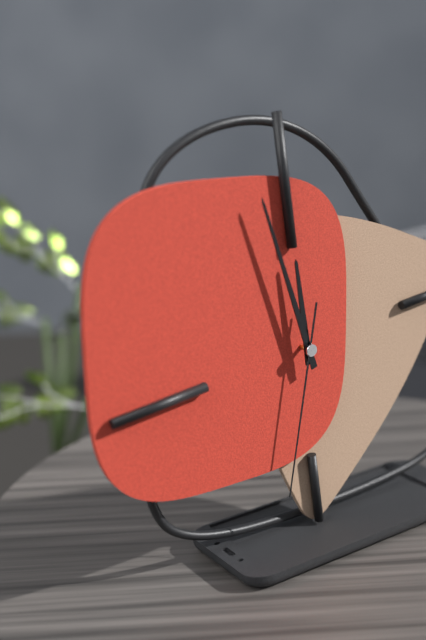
11 h 58 min 33 s
